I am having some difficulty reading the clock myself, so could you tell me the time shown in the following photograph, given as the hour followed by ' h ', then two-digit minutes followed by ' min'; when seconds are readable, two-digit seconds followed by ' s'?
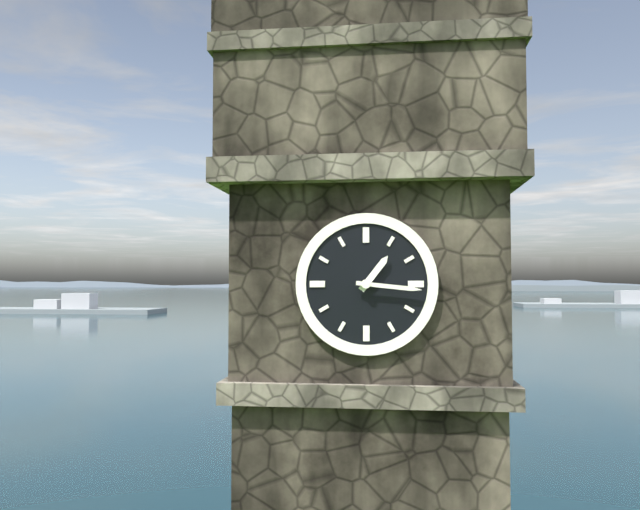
1 h 16 min
